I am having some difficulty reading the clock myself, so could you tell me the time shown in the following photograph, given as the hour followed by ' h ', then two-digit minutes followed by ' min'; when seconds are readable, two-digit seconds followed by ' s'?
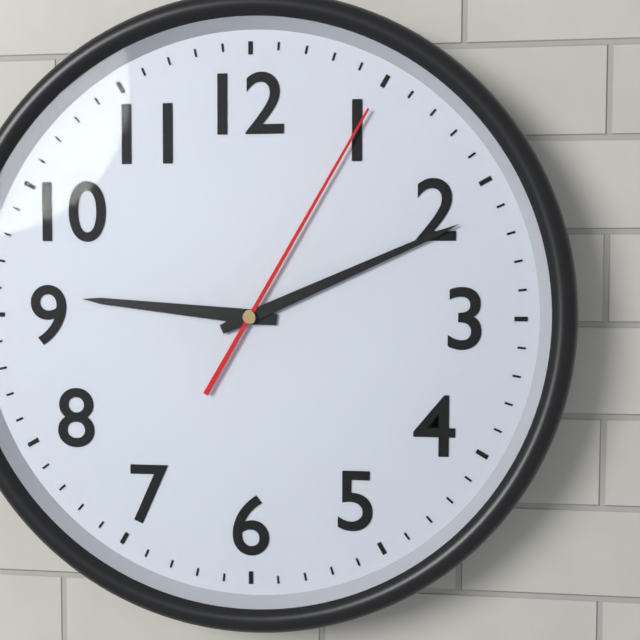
9 h 11 min 05 s
